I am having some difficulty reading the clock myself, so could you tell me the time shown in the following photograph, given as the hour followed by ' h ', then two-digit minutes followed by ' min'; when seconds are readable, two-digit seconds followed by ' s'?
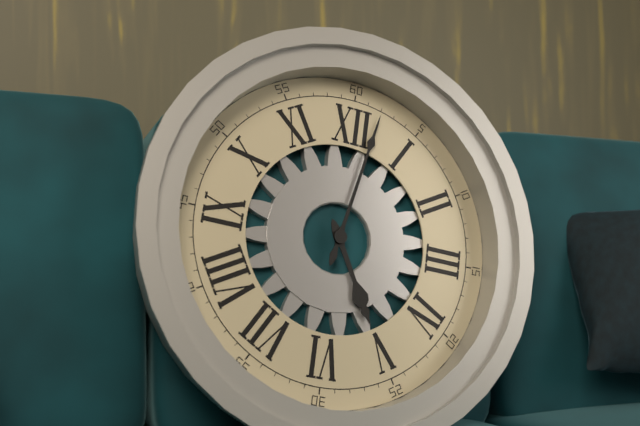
5 h 02 min
